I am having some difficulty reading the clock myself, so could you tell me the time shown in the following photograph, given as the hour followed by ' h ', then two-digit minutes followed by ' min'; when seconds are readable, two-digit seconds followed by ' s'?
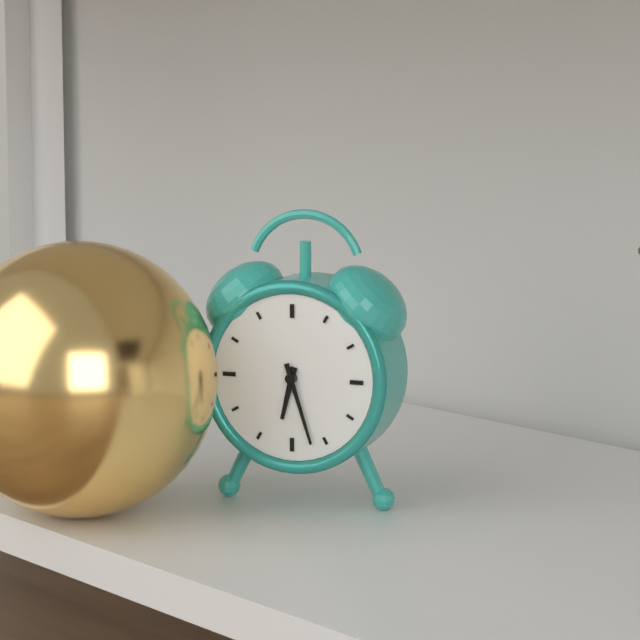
6 h 27 min
